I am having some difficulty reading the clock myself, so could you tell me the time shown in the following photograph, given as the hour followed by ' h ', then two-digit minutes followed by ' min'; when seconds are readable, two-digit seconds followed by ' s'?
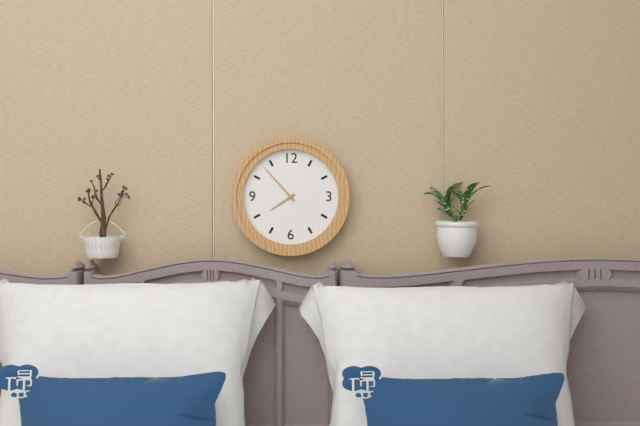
7 h 53 min
